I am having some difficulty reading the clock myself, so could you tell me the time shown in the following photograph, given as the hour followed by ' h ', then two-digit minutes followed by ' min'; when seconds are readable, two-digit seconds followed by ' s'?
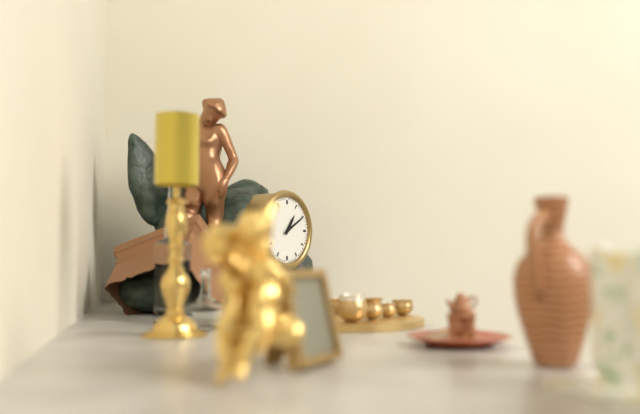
1 h 10 min
